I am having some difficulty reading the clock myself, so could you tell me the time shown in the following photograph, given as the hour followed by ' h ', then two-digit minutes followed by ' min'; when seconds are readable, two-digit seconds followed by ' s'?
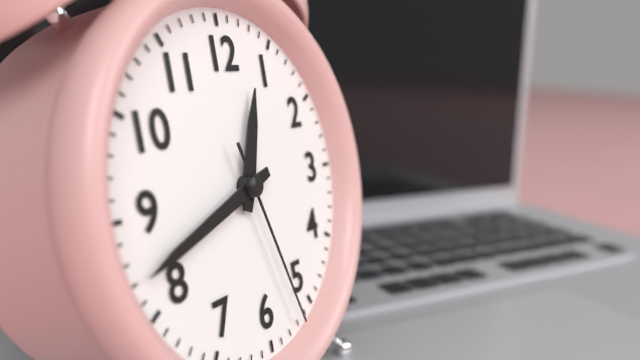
12 h 42 min 27 s
